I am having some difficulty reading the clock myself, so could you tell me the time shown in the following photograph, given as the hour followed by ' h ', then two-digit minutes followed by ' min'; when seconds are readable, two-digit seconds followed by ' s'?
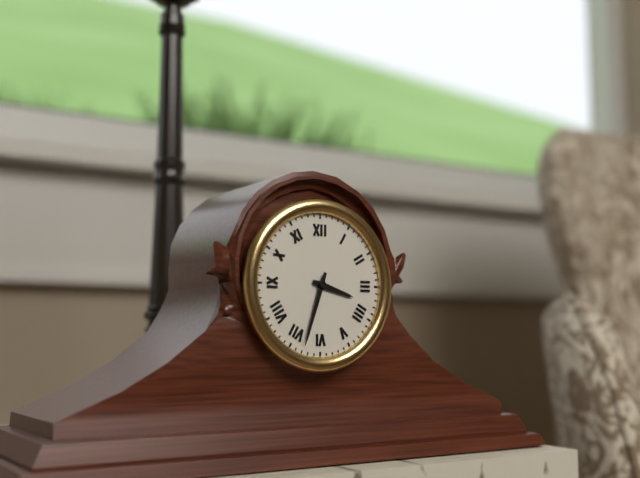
3 h 33 min
